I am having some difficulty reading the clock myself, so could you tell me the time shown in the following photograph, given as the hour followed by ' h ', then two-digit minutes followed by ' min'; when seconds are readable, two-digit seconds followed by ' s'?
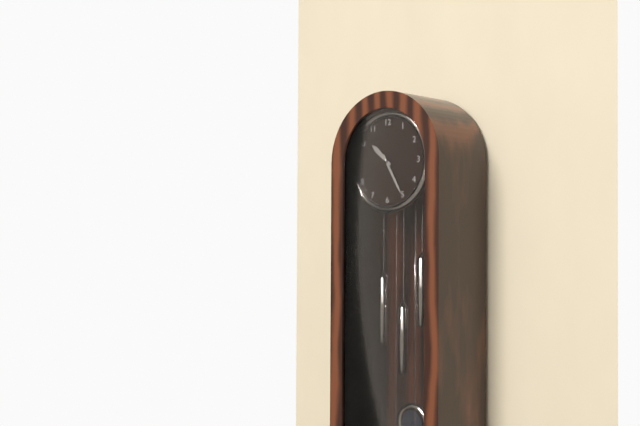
10 h 25 min
